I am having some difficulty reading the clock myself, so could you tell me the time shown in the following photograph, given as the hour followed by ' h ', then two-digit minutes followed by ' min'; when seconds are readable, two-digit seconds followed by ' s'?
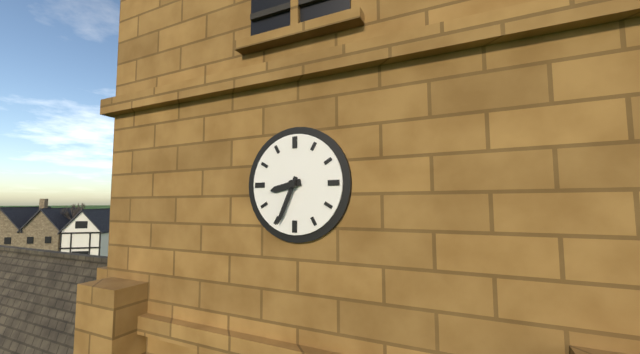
8 h 34 min
